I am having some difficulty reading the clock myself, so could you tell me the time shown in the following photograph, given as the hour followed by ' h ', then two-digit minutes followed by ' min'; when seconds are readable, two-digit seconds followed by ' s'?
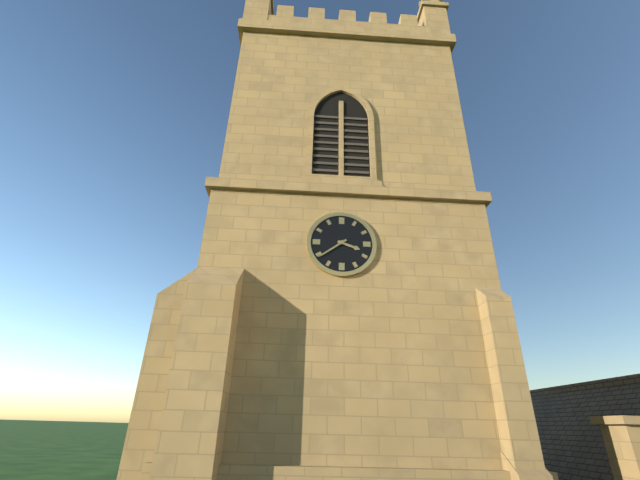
3 h 39 min
